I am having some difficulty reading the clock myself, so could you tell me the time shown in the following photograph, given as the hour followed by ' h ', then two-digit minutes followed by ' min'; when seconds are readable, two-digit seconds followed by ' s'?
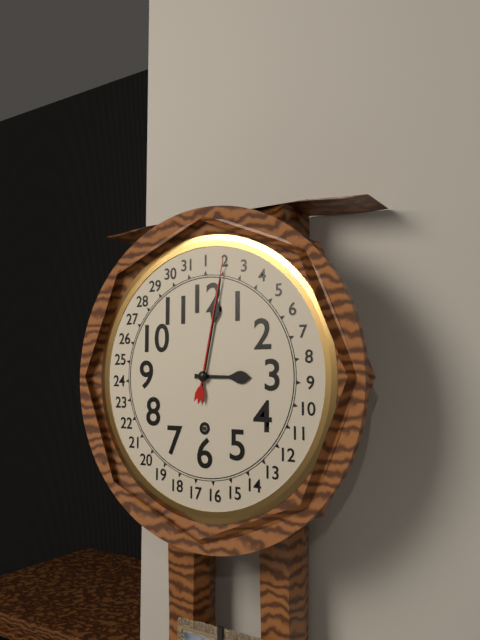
3 h 02 min
